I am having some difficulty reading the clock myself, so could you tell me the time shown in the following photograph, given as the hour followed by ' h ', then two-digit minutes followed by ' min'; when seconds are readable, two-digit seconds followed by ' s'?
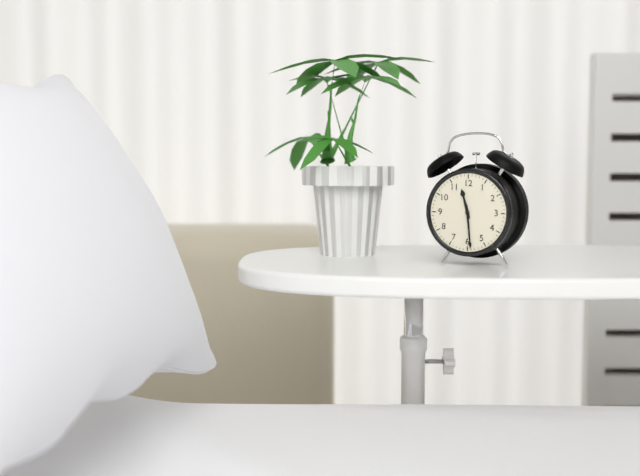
11 h 29 min
